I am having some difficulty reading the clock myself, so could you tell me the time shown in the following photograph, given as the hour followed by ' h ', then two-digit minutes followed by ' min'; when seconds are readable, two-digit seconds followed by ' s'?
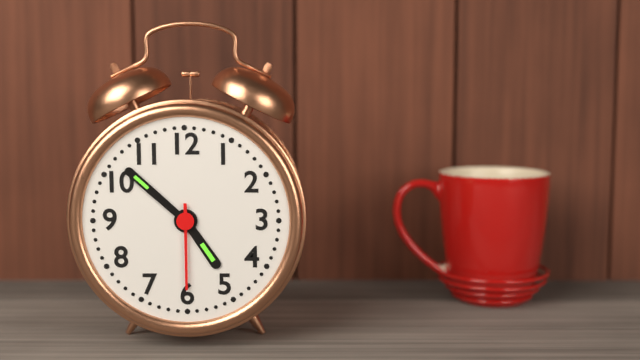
4 h 52 min 30 s
